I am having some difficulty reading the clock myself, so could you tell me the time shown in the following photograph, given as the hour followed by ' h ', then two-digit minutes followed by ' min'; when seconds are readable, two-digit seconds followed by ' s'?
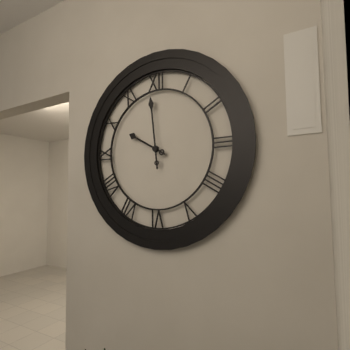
9 h 59 min
